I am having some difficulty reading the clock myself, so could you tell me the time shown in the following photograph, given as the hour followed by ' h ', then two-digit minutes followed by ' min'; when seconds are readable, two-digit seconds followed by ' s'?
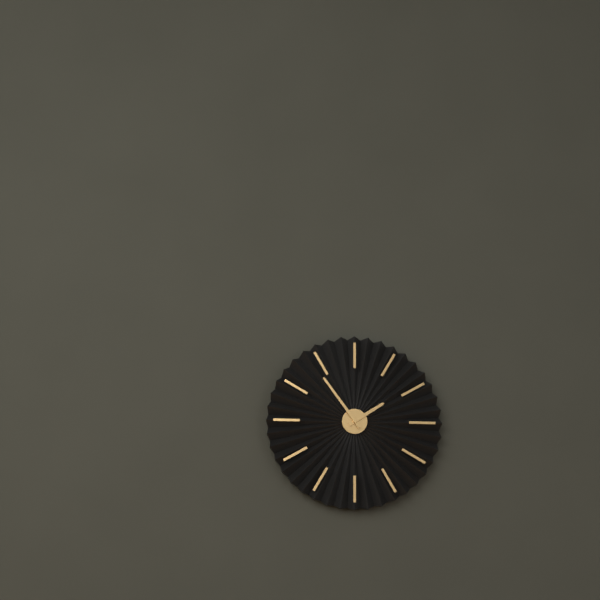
1 h 54 min
